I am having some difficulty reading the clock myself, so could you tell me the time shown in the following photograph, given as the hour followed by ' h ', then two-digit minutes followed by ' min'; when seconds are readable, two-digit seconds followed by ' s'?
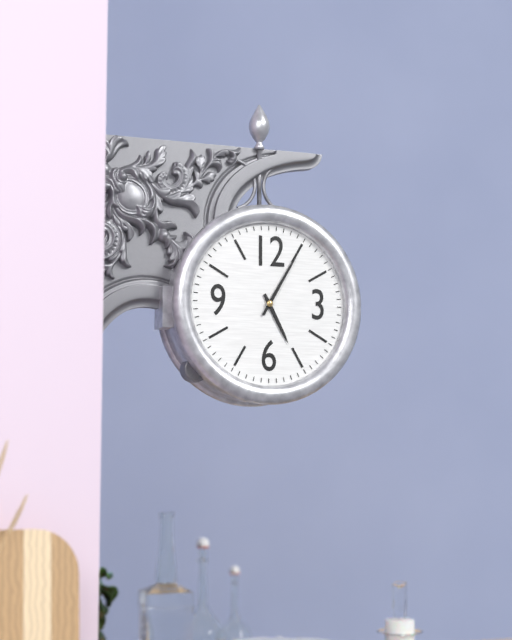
5 h 05 min
